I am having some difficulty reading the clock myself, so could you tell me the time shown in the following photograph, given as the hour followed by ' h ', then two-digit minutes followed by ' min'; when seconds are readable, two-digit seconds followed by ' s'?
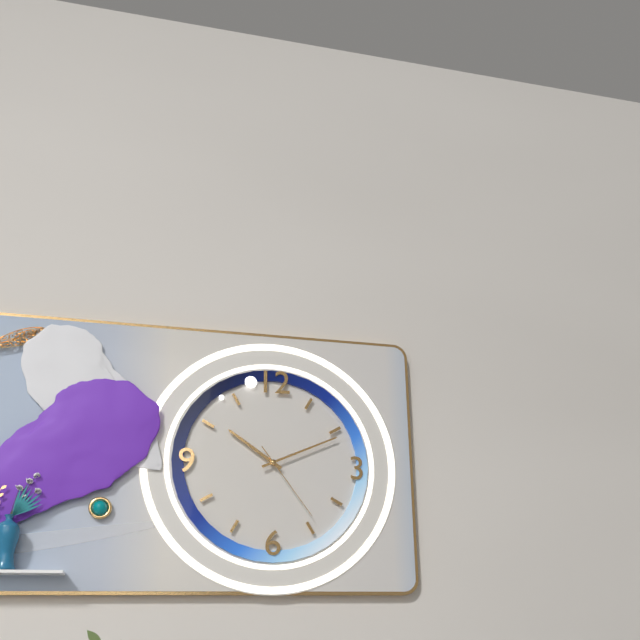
10 h 11 min 24 s
